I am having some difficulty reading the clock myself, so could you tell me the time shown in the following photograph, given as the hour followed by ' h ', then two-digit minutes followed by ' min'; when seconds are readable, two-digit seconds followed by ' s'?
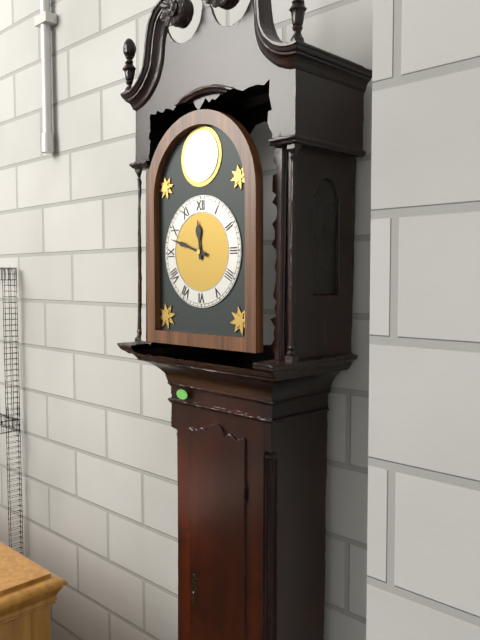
11 h 48 min
